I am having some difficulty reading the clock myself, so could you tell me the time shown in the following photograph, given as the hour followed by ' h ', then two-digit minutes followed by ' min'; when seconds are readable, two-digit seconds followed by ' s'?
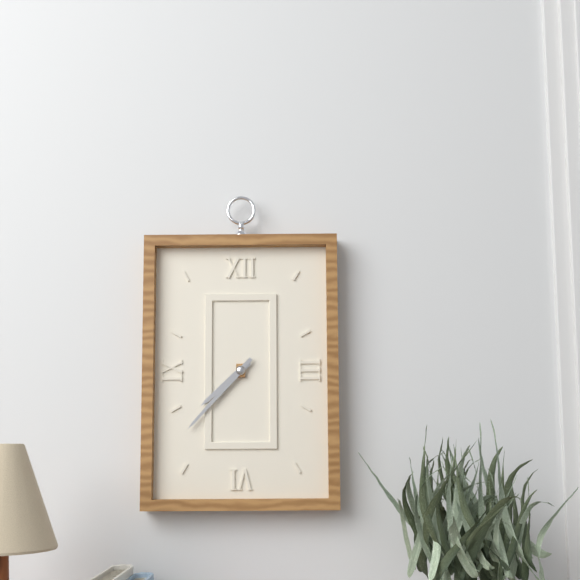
7 h 37 min
